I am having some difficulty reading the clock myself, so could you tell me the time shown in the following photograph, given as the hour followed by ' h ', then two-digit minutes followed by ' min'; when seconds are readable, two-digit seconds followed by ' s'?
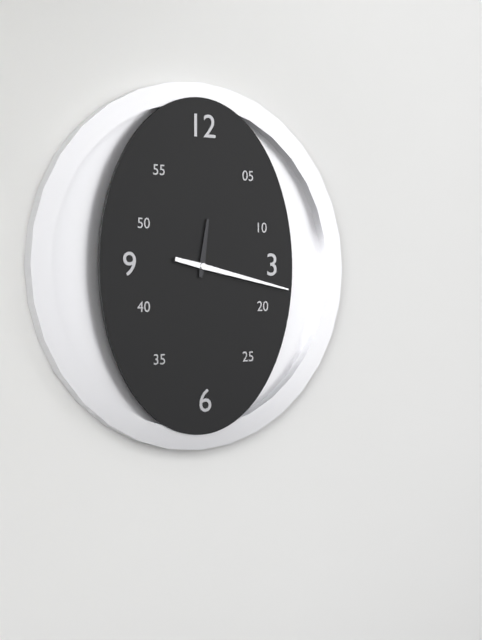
12 h 17 min
